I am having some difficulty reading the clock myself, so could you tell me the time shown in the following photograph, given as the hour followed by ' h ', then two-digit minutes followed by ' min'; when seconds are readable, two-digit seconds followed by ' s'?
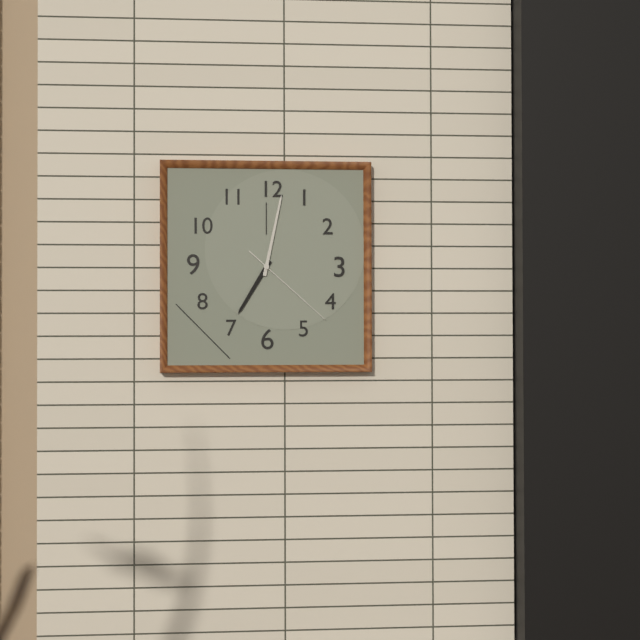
7 h 02 min 22 s
